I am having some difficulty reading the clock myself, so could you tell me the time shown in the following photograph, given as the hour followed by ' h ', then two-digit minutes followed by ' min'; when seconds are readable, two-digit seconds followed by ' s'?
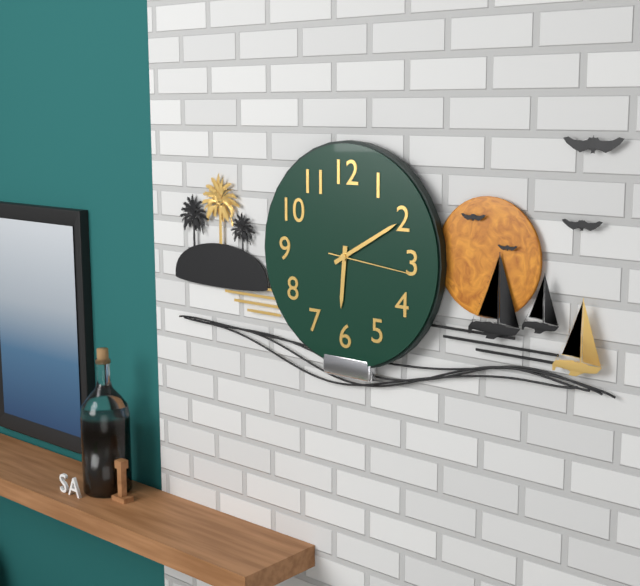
6 h 10 min 16 s
